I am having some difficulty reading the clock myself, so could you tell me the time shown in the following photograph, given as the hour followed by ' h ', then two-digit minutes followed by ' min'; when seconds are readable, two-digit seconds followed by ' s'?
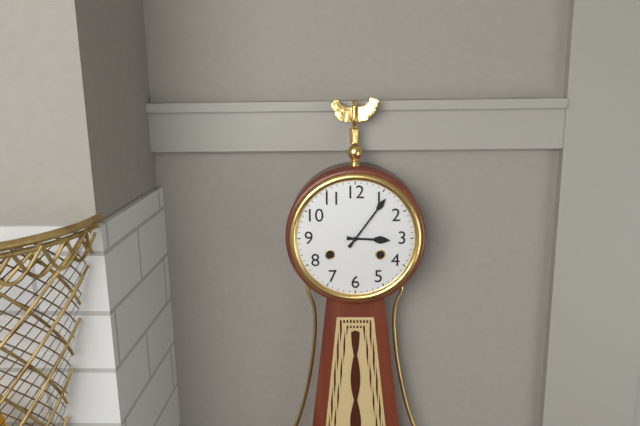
3 h 06 min
